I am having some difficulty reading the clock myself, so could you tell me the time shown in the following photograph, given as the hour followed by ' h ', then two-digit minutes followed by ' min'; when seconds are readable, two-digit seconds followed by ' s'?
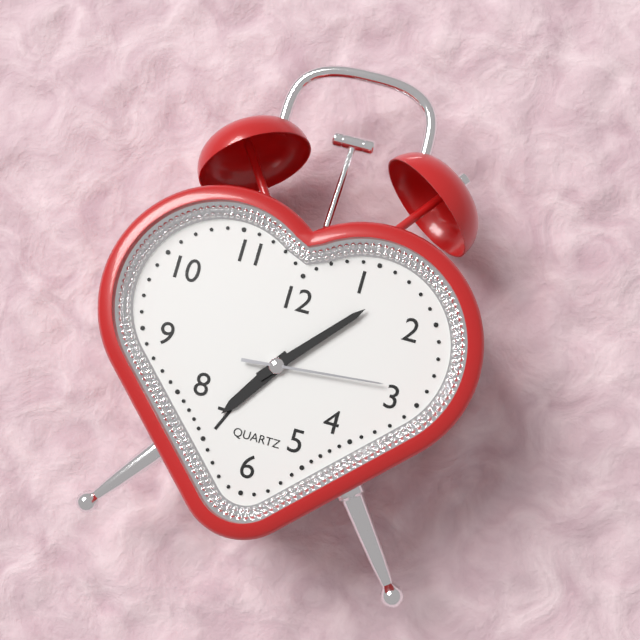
7 h 07 min 14 s
